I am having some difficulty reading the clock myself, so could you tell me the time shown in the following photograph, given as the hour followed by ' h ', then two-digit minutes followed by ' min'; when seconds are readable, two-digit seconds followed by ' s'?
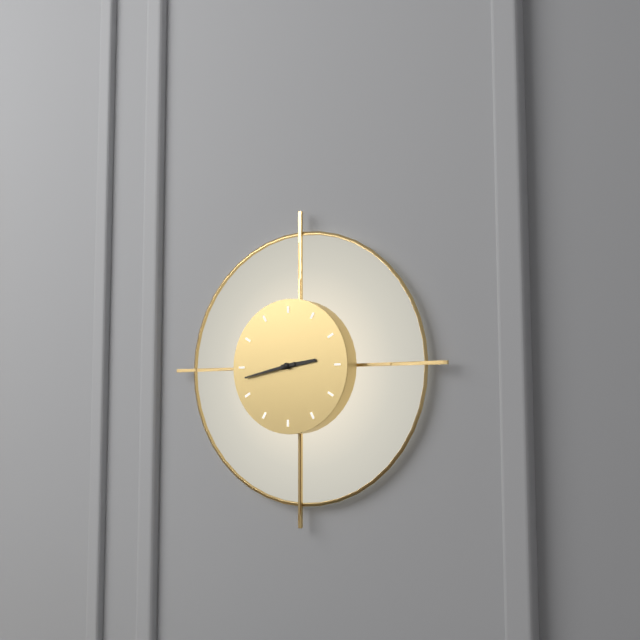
2 h 43 min
